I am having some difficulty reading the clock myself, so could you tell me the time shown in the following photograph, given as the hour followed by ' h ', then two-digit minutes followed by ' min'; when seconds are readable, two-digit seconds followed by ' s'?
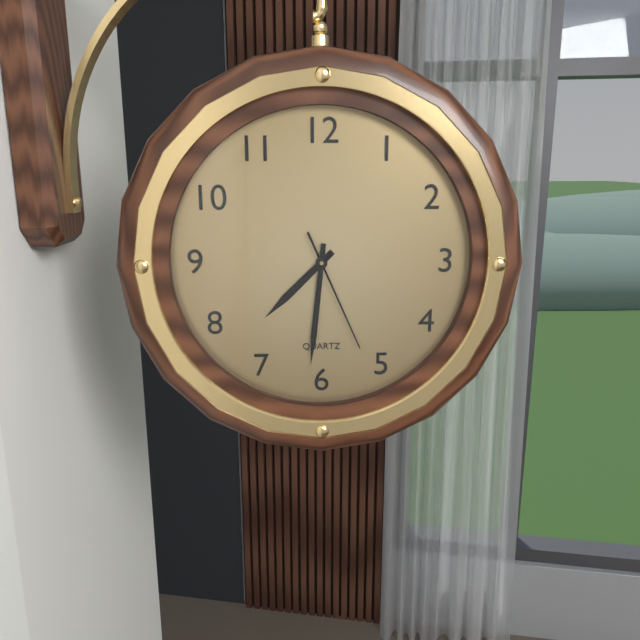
7 h 31 min 26 s
